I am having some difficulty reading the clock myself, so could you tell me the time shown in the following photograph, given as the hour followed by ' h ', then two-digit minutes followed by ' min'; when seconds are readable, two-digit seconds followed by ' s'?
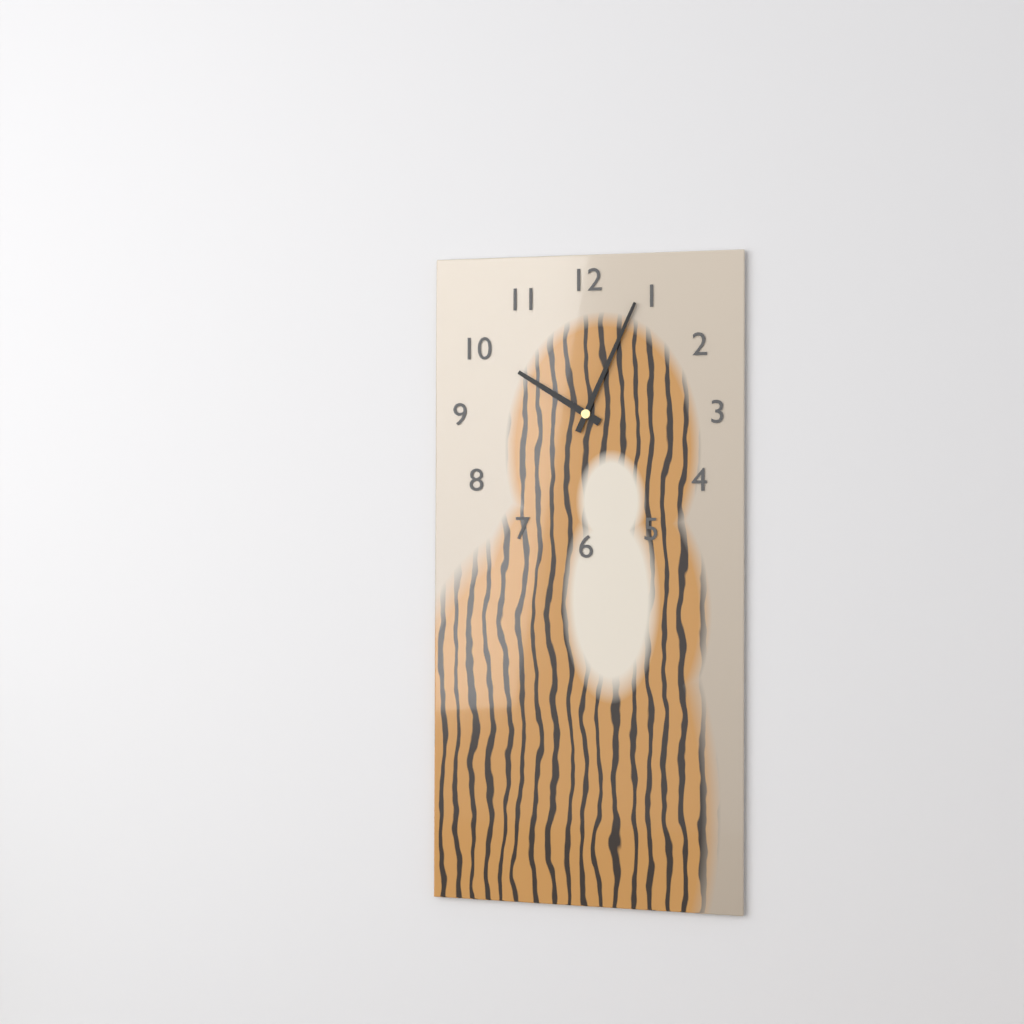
10 h 04 min
